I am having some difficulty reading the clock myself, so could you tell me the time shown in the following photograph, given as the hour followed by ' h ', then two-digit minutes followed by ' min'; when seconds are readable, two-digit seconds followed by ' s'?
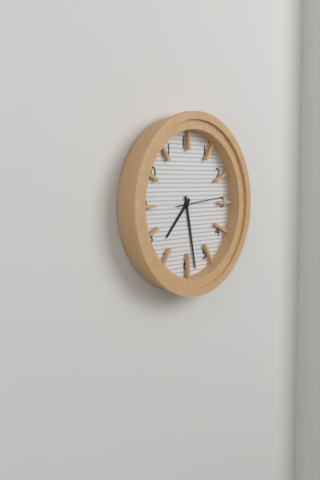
7 h 28 min 14 s
